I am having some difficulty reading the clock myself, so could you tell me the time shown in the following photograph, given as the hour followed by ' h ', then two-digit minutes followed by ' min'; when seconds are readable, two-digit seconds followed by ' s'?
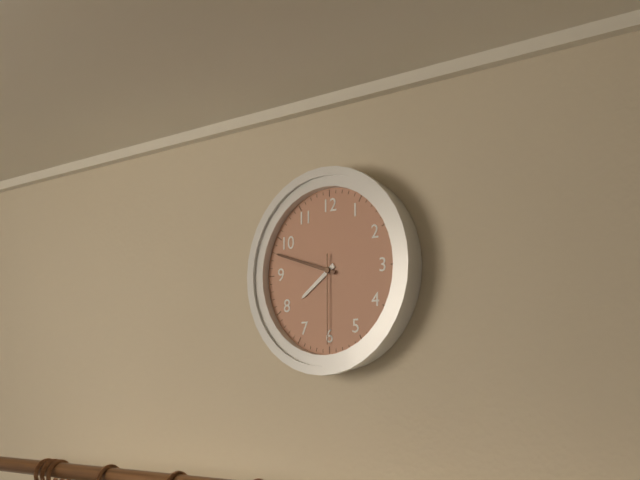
7 h 48 min 30 s
